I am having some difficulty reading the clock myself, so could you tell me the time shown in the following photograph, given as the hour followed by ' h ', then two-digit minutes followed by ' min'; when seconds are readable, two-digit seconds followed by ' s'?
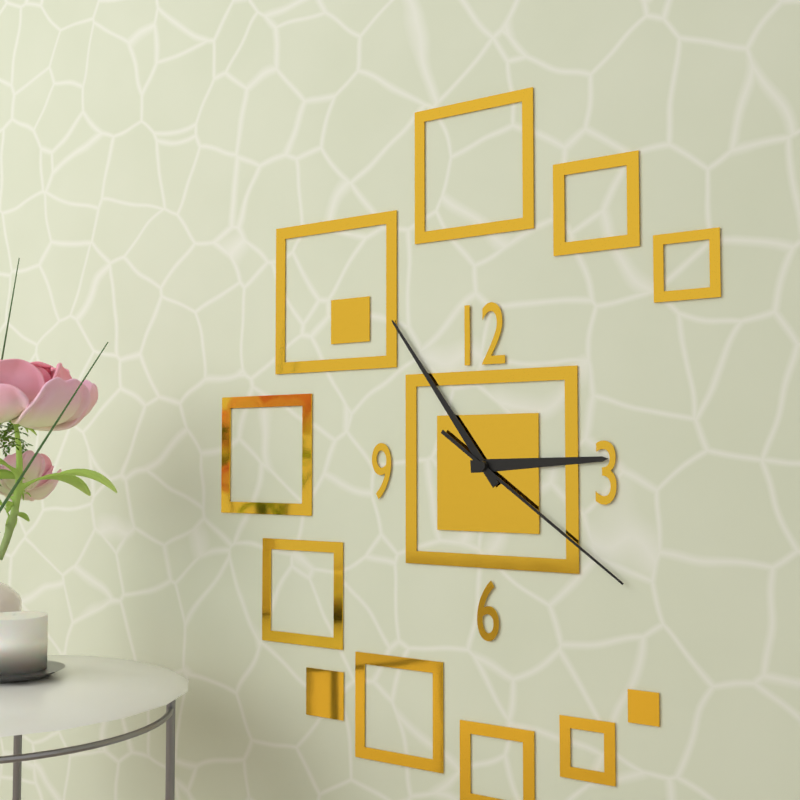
2 h 54 min 21 s
